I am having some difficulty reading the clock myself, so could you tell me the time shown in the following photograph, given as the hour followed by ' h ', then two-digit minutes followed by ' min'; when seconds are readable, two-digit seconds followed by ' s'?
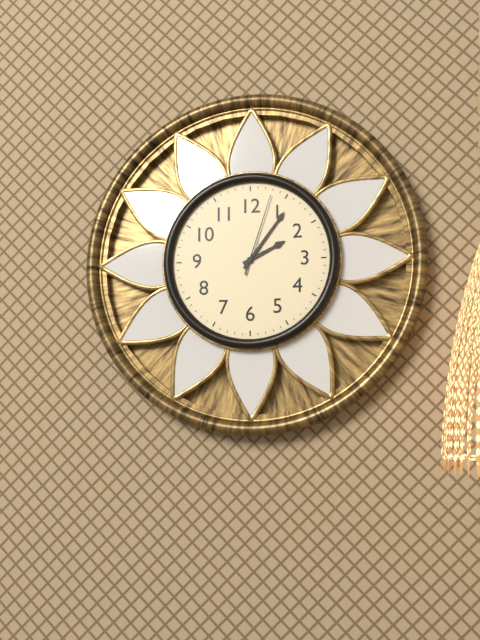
2 h 06 min 03 s
